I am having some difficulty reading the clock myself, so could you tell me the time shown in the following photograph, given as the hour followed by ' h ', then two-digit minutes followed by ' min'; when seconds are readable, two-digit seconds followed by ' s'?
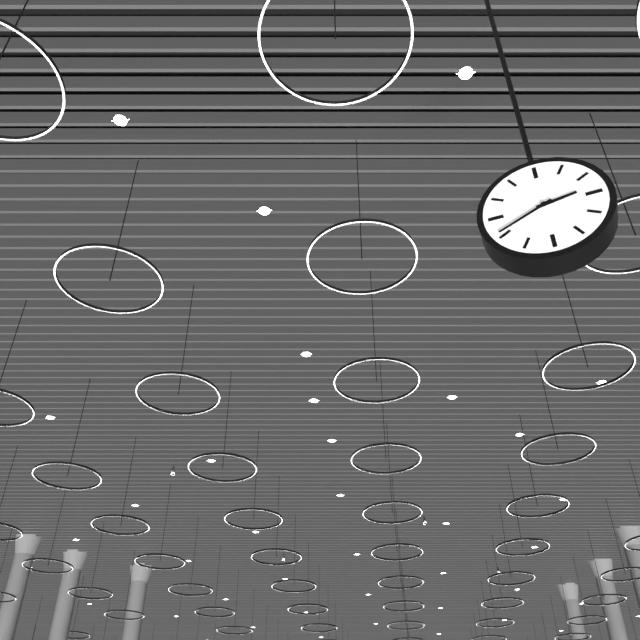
2 h 41 min
